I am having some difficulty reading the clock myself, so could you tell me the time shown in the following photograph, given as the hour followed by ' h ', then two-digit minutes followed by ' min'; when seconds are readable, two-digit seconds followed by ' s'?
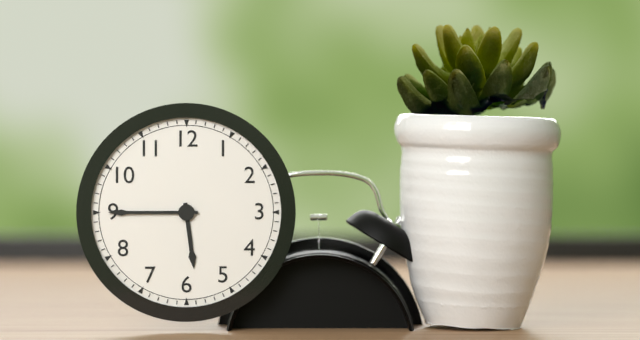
5 h 45 min
